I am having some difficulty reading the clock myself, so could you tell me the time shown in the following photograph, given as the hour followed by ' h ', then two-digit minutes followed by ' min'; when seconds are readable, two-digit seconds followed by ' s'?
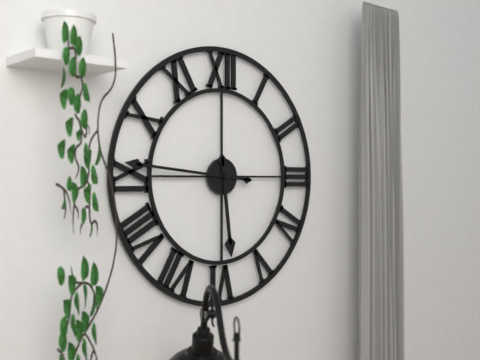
5 h 46 min
